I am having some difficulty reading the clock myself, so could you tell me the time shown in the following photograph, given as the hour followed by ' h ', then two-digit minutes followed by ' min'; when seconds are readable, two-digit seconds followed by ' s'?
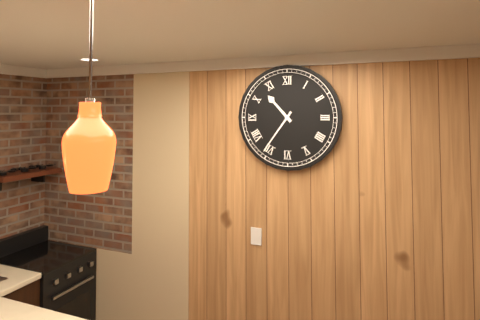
10 h 36 min
